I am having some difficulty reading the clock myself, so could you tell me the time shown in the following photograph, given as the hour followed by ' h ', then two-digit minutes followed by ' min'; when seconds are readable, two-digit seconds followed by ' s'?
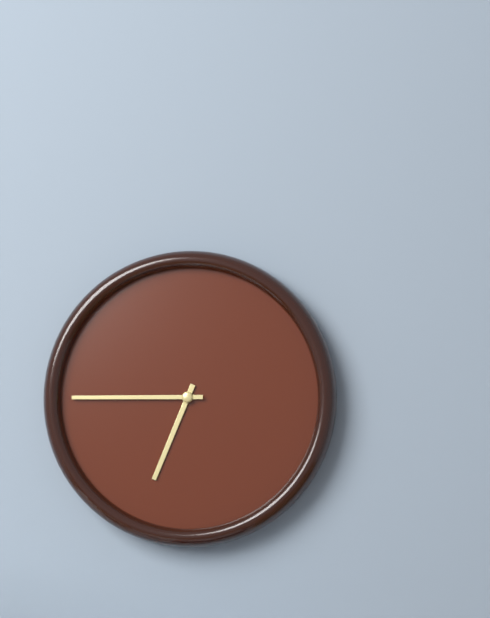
6 h 45 min
